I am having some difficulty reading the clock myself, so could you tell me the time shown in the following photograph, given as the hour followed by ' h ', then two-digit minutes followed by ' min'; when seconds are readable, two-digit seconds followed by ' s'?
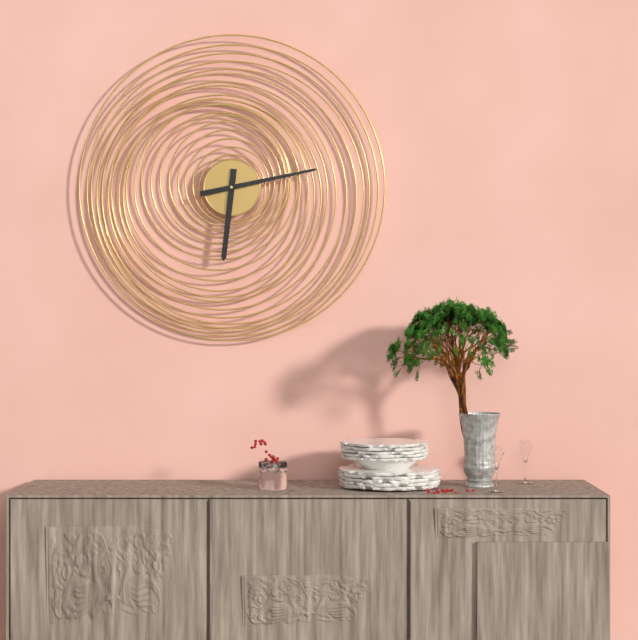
6 h 13 min
